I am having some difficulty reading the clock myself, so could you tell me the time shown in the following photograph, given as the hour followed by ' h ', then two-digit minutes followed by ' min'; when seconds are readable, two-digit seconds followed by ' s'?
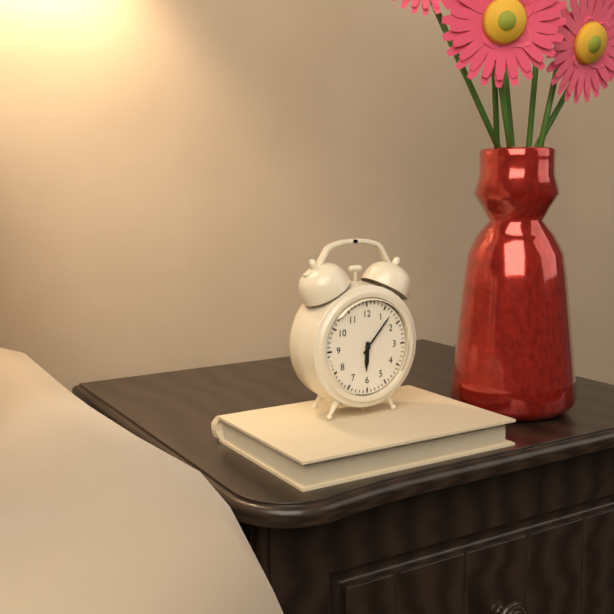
6 h 07 min
